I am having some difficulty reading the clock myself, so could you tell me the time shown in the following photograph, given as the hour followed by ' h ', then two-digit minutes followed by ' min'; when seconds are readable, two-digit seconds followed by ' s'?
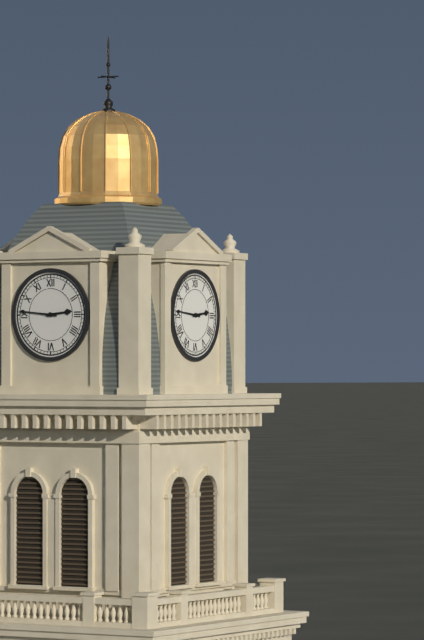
2 h 46 min
